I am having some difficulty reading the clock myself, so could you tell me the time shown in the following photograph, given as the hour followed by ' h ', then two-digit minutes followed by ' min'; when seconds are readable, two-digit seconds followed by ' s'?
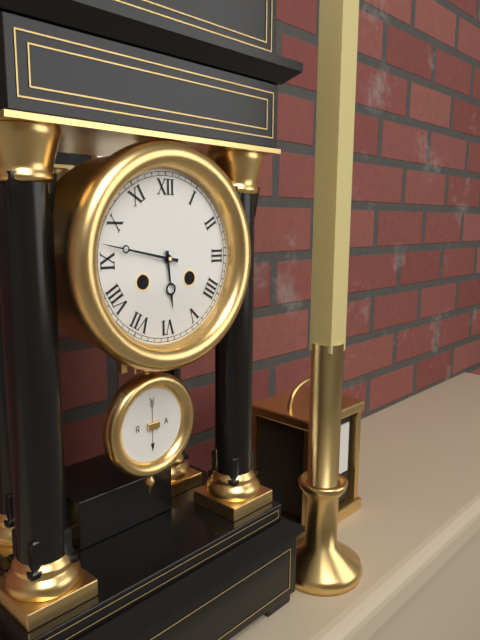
5 h 47 min
